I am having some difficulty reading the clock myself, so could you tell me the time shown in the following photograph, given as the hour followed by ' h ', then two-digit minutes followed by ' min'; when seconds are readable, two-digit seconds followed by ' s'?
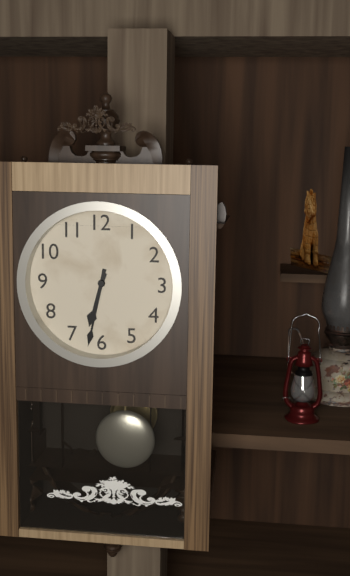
6 h 32 min
